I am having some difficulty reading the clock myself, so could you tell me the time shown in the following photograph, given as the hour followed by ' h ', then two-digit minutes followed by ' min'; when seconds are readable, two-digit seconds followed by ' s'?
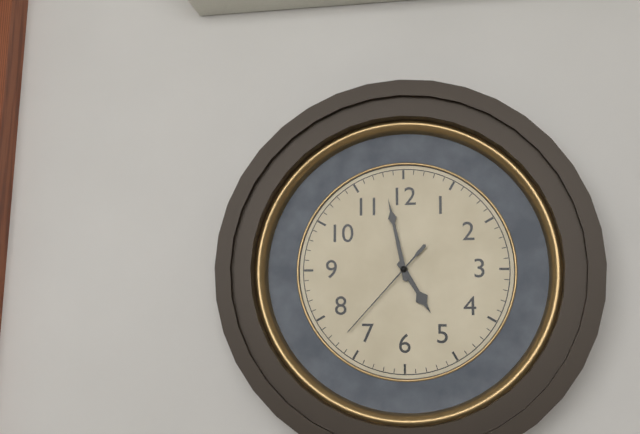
4 h 58 min 37 s
